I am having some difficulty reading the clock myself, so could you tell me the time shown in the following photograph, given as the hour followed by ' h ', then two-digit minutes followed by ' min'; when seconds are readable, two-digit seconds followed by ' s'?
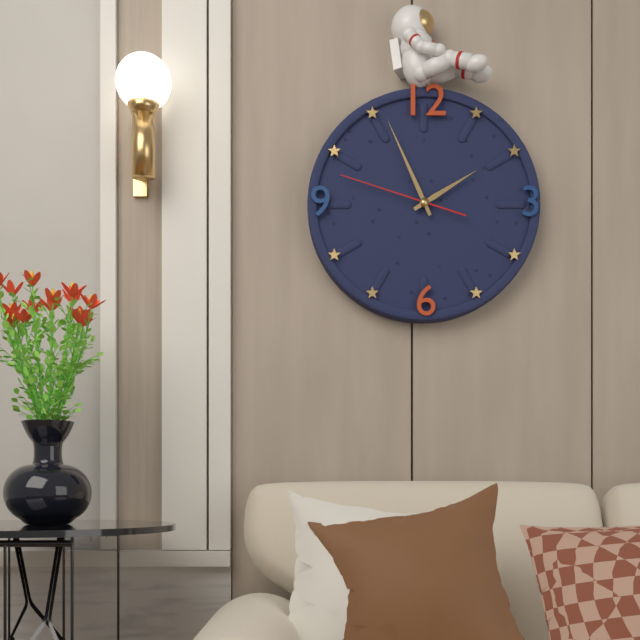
1 h 56 min 48 s
